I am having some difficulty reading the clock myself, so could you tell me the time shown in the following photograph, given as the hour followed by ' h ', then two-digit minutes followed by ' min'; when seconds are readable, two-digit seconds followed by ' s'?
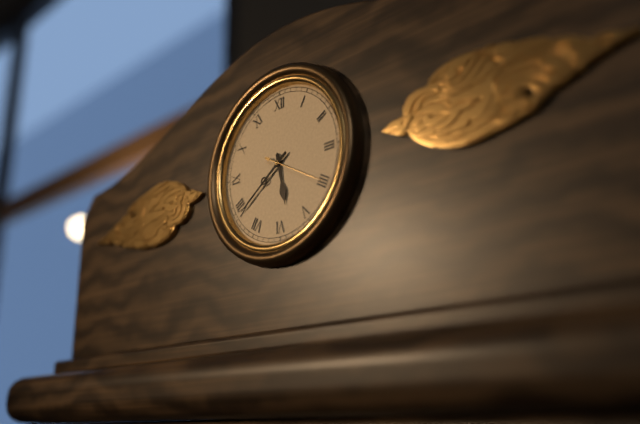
5 h 39 min 20 s
